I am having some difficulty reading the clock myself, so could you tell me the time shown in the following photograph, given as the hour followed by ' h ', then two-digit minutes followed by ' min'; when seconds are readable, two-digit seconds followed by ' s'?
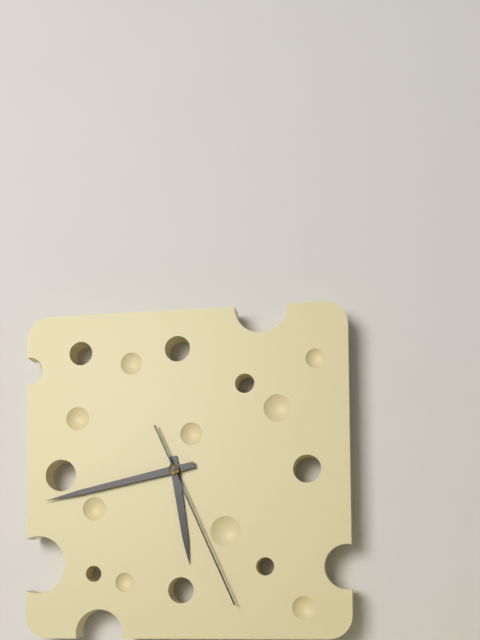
5 h 43 min 26 s
